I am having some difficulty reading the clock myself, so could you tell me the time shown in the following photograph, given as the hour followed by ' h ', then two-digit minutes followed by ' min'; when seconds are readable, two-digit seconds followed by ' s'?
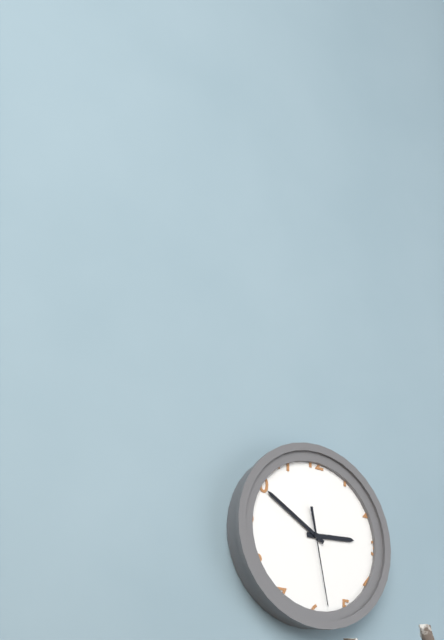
2 h 50 min 28 s
